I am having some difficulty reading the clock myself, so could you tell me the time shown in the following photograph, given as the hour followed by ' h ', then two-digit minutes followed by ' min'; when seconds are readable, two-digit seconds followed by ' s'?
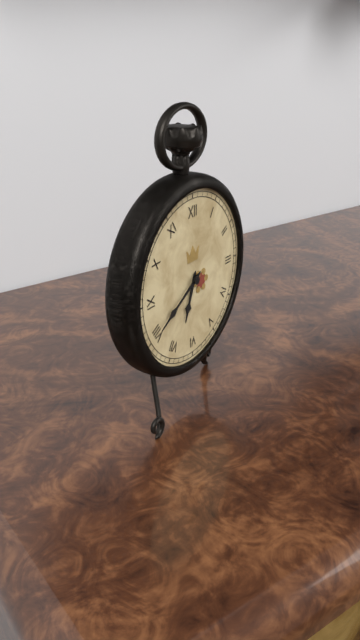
6 h 40 min
